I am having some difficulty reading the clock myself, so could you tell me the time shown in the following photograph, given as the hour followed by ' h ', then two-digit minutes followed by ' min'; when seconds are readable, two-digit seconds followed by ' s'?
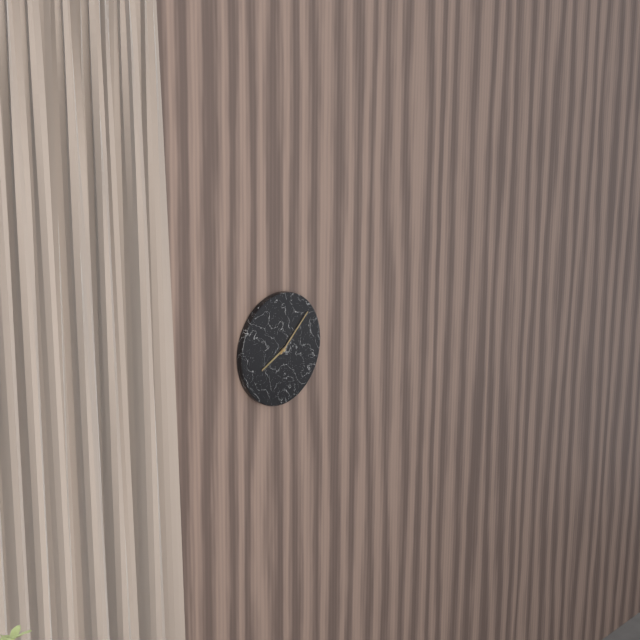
8 h 08 min
